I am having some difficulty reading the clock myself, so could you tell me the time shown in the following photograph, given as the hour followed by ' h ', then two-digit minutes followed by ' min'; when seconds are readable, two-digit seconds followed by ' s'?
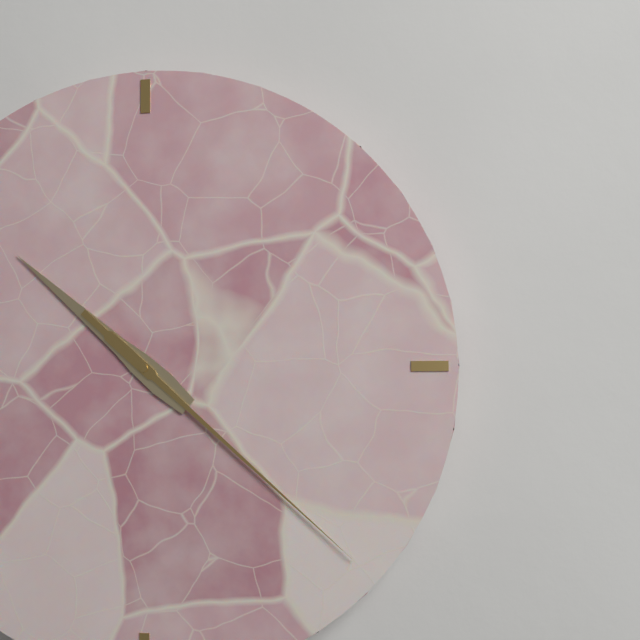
10 h 22 min
